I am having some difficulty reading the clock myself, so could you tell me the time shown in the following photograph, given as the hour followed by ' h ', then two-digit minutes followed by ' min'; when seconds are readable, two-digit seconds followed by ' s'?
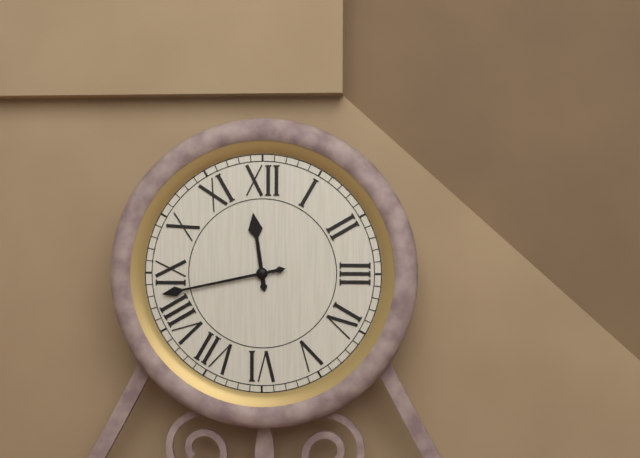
11 h 43 min
